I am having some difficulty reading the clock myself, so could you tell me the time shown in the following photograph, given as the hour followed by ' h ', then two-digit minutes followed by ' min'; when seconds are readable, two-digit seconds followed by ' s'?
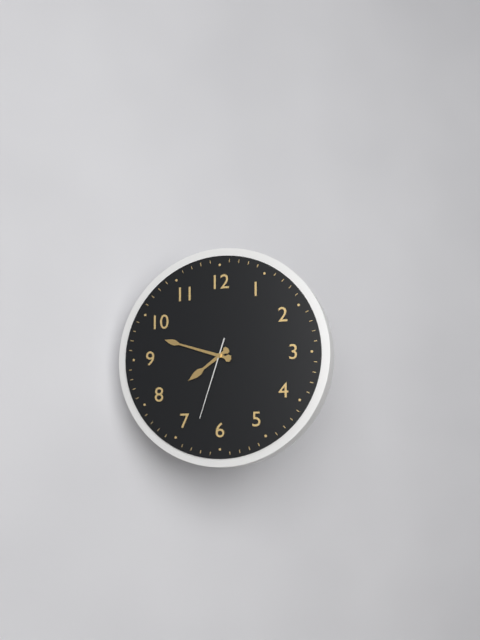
7 h 48 min 33 s
